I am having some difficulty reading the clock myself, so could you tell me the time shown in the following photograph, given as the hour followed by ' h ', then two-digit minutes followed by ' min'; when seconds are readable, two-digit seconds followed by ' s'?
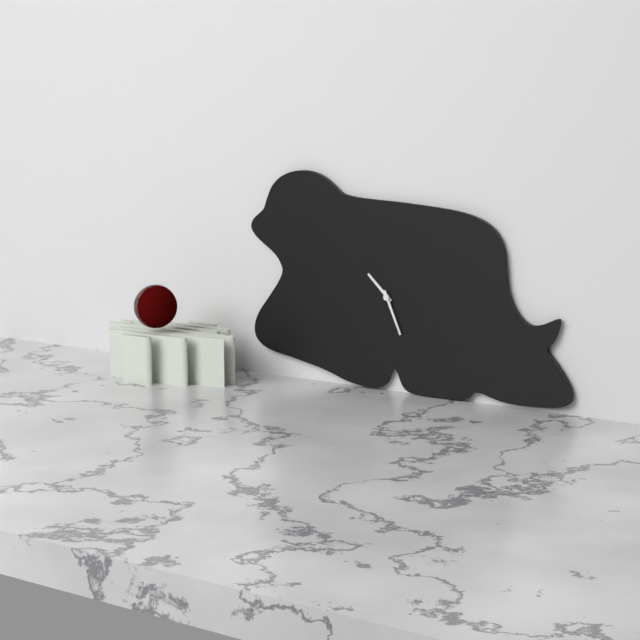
10 h 26 min
